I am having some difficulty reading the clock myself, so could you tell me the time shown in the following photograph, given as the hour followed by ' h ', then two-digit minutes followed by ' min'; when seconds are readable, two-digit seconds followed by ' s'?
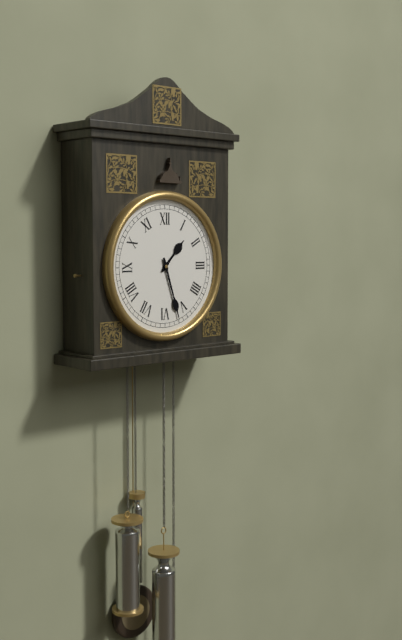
1 h 27 min
